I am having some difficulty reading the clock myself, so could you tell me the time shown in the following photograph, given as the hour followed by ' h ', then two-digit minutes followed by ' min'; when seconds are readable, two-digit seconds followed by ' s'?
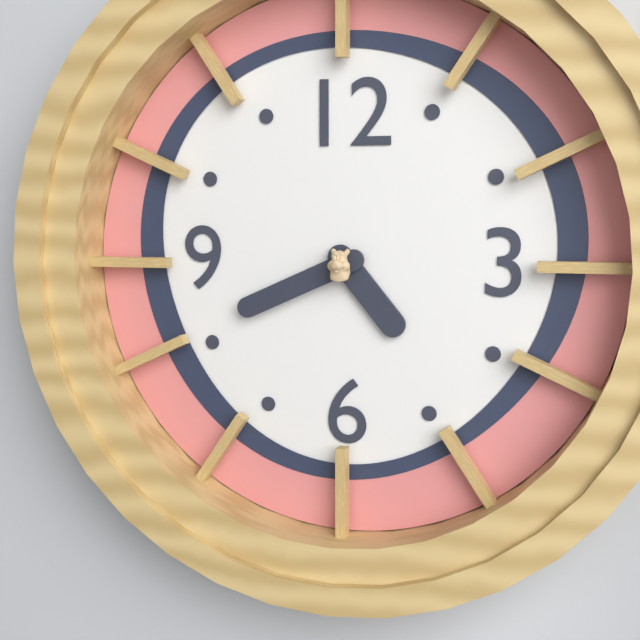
4 h 41 min
